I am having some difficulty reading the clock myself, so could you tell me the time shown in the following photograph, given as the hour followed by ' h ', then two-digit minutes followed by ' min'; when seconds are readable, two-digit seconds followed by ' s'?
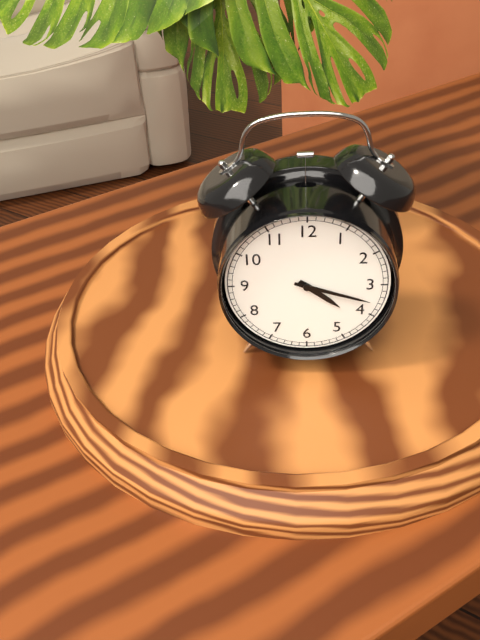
4 h 18 min
